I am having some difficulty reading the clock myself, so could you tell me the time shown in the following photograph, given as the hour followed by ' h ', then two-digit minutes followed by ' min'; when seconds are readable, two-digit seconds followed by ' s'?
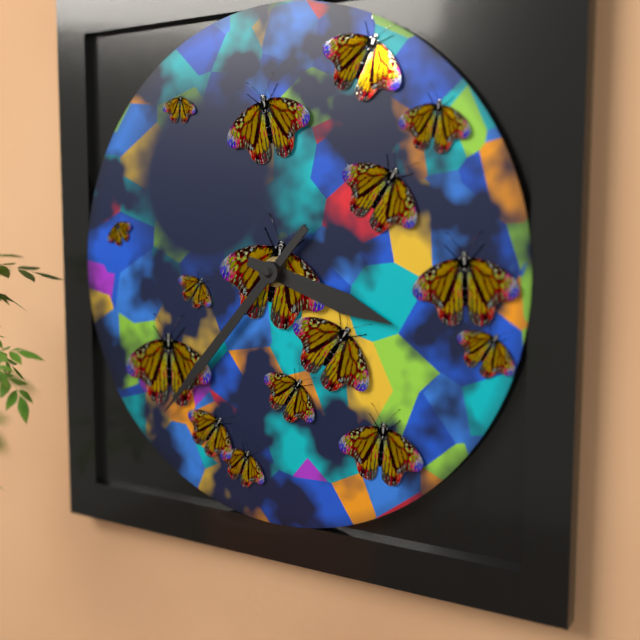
3 h 37 min
